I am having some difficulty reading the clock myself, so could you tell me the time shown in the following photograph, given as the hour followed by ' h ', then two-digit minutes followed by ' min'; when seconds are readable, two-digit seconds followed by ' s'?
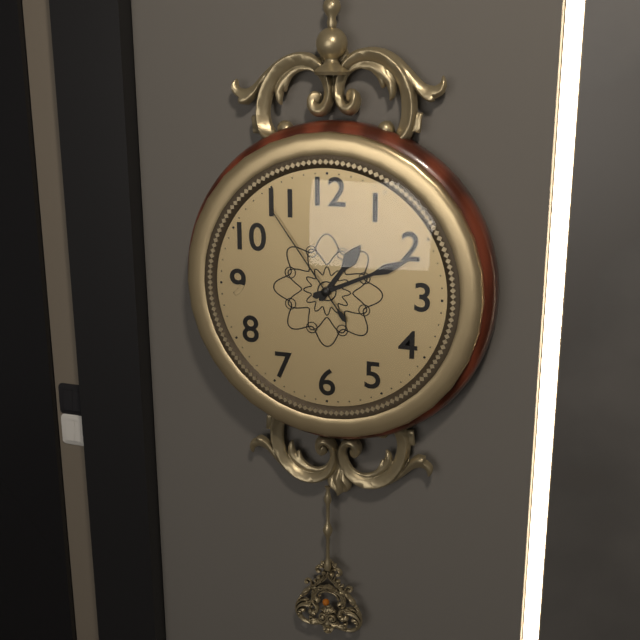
1 h 11 min 54 s
